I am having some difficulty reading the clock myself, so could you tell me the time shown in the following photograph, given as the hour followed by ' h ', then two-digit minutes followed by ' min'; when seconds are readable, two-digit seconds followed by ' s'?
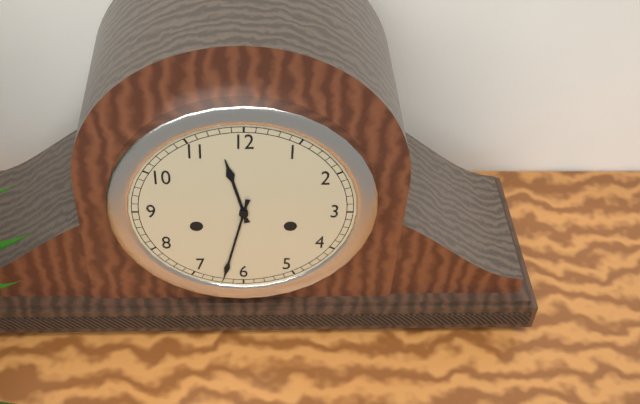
11 h 32 min
